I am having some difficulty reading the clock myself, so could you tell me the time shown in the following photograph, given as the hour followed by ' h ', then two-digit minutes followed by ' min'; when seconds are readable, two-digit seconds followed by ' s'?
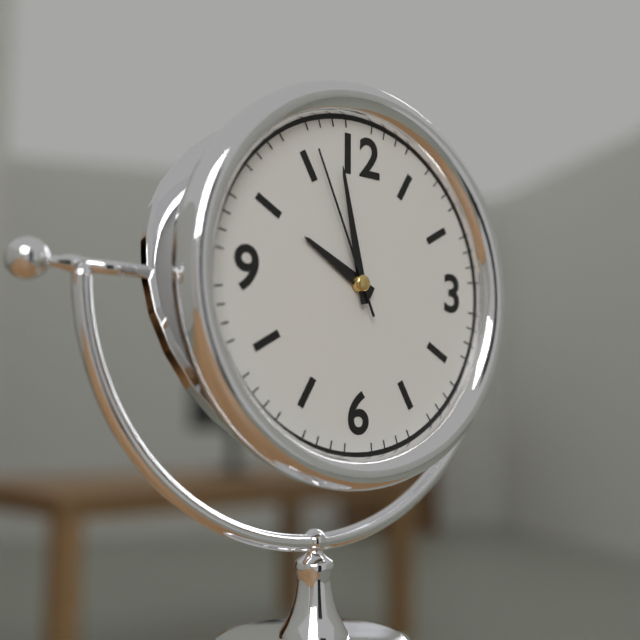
9 h 58 min 56 s
